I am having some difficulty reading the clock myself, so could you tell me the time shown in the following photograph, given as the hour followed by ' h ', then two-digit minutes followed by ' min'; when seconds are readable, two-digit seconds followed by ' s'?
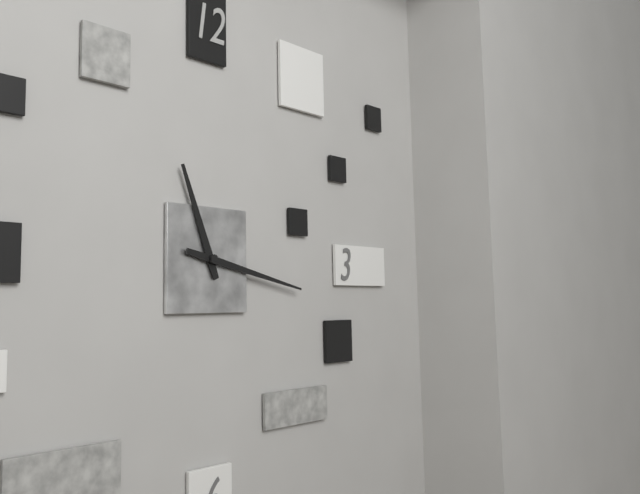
11 h 17 min
